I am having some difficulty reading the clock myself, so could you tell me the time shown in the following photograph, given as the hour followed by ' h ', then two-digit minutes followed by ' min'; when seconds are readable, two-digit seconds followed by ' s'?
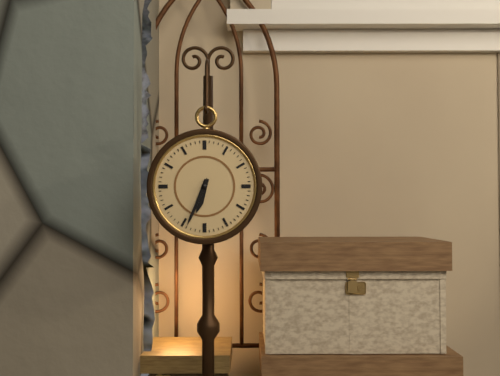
6 h 34 min
